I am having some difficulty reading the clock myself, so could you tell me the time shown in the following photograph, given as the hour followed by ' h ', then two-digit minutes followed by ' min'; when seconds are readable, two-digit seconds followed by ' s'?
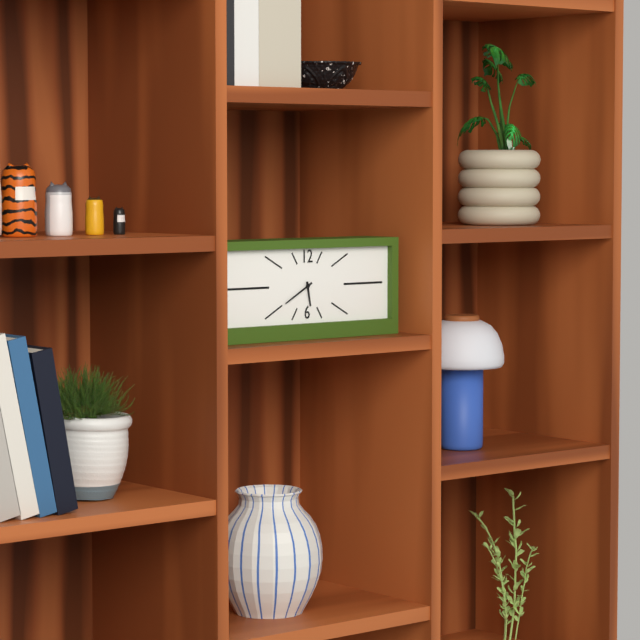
5 h 40 min
